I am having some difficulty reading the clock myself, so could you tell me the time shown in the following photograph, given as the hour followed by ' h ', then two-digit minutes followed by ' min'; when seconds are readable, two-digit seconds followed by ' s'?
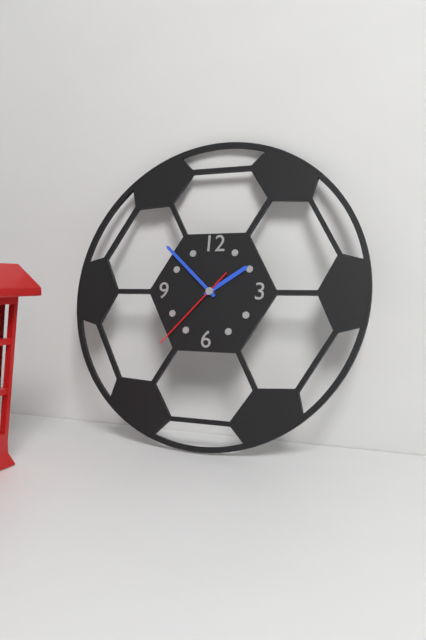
1 h 52 min 37 s
